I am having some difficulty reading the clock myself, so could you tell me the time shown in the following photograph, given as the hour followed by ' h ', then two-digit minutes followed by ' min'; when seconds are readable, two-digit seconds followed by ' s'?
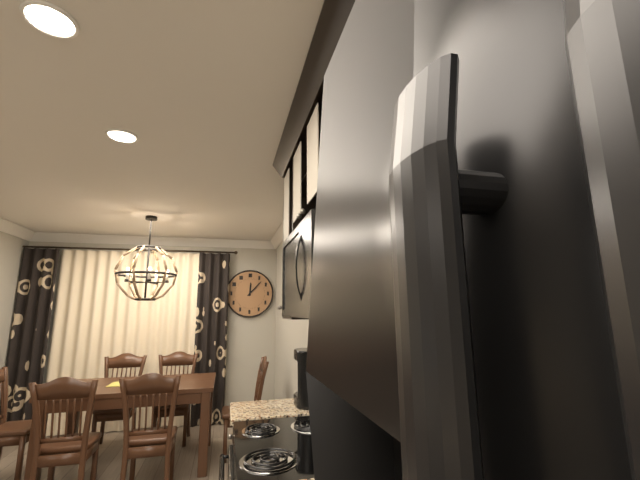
12 h 07 min
